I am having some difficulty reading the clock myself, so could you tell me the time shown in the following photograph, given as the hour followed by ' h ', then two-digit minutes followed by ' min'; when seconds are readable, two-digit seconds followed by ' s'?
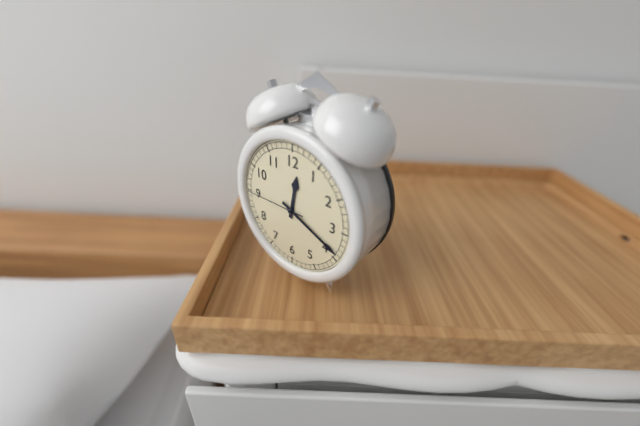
12 h 19 min 45 s
